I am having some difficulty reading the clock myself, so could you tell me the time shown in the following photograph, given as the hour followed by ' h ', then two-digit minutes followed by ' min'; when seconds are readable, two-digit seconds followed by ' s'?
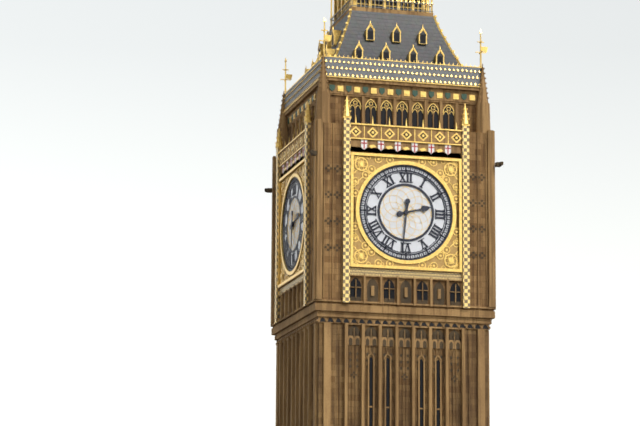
2 h 31 min
